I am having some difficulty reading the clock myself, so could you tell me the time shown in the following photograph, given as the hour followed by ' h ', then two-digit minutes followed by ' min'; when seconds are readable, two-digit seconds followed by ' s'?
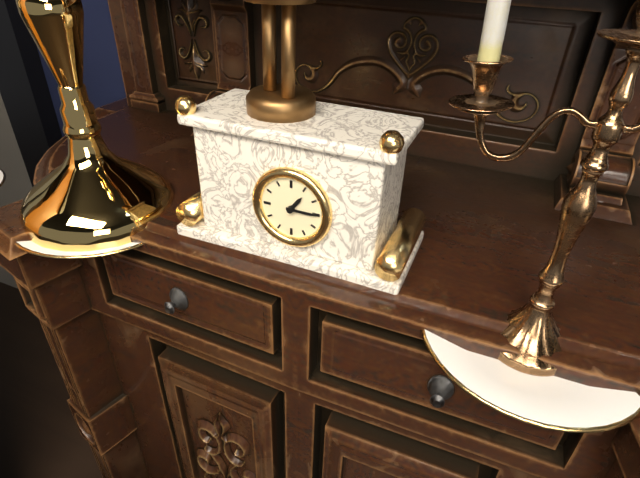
1 h 15 min
